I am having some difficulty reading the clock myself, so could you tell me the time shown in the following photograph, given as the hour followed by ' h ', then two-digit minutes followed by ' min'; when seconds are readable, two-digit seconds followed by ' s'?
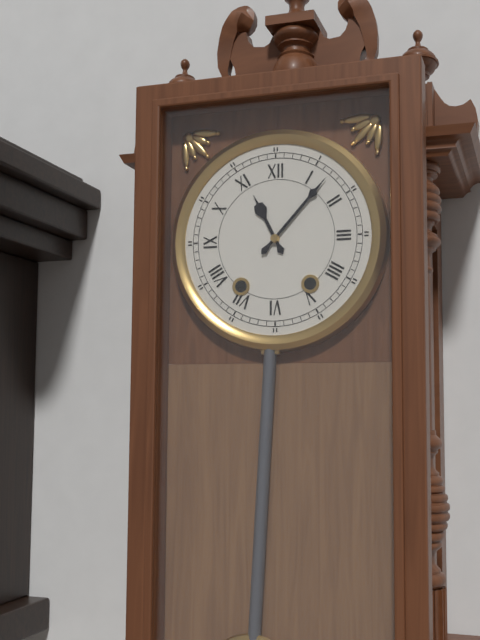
11 h 07 min
